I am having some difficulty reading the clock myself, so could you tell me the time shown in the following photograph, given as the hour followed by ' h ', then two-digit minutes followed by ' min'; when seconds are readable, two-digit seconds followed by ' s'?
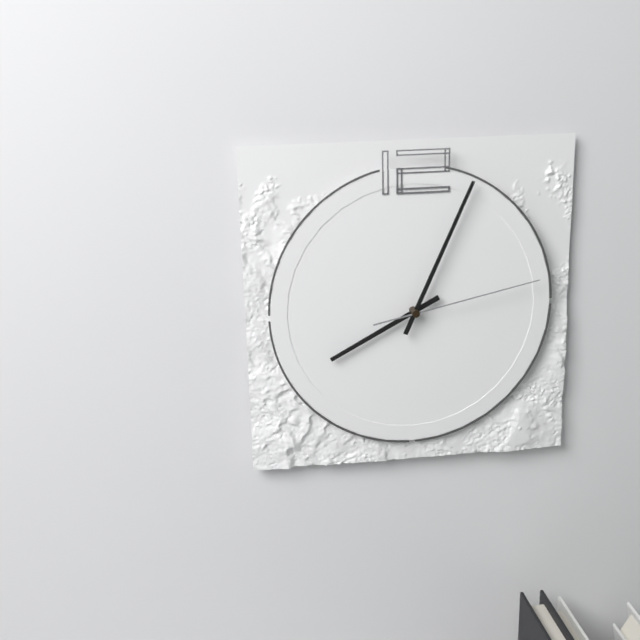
8 h 04 min 13 s
